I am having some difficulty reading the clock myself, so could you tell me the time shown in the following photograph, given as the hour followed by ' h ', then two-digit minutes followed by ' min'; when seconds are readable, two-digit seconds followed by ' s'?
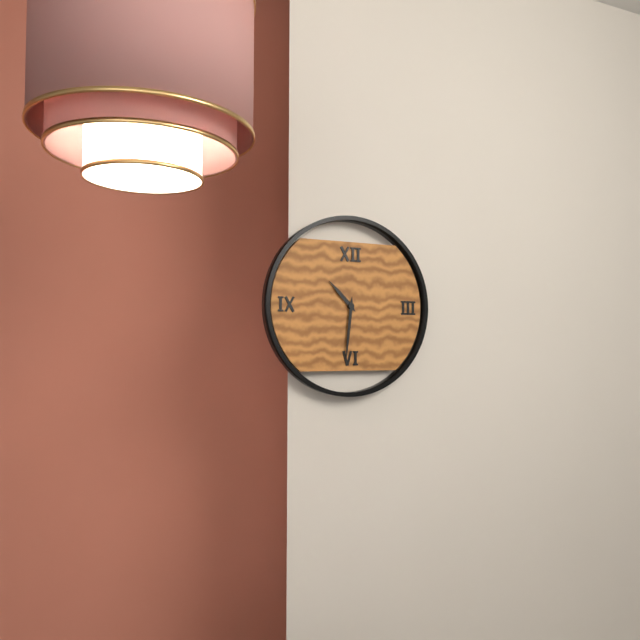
10 h 31 min
